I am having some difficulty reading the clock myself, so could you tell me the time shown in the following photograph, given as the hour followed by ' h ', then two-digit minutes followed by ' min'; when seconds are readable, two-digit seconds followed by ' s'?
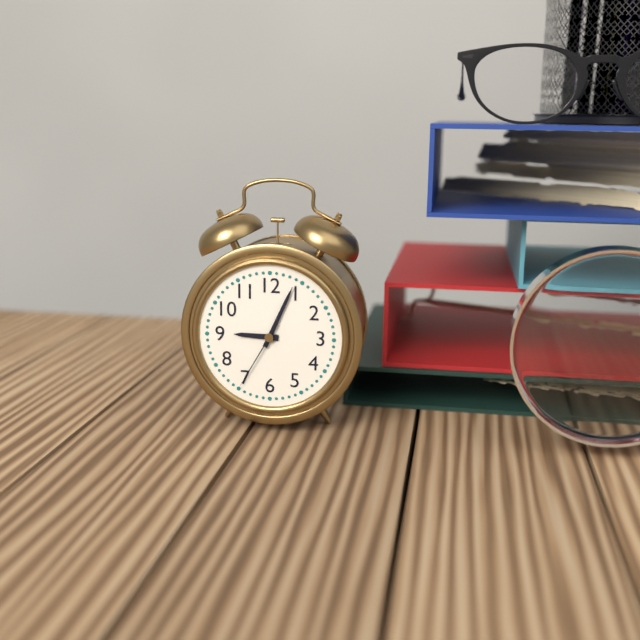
9 h 04 min 35 s
